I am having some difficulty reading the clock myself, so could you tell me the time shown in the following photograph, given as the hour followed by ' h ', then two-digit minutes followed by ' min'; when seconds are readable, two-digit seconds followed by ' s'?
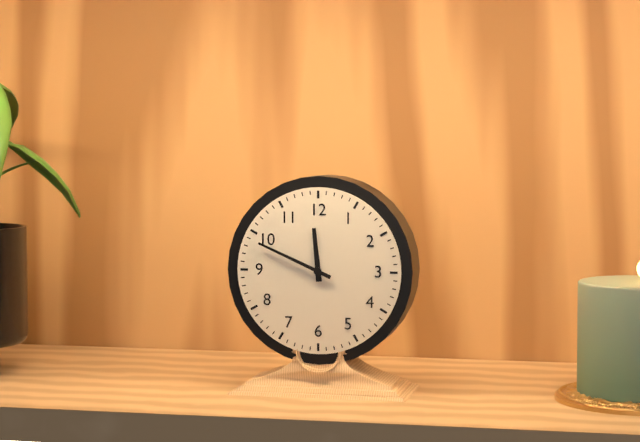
11 h 49 min
